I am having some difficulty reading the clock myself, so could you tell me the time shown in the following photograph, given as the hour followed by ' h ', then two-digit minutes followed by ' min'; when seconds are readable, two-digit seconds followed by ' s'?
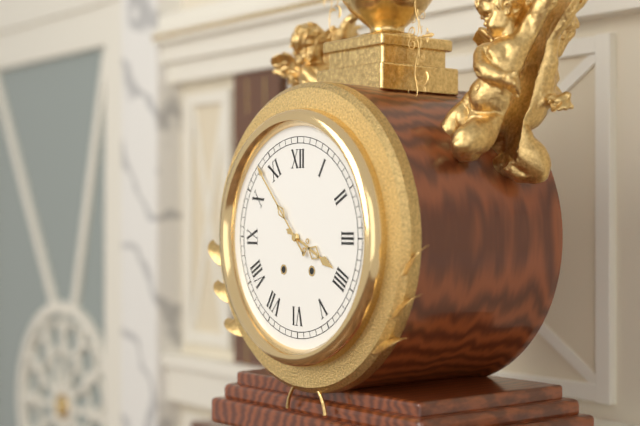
3 h 53 min
